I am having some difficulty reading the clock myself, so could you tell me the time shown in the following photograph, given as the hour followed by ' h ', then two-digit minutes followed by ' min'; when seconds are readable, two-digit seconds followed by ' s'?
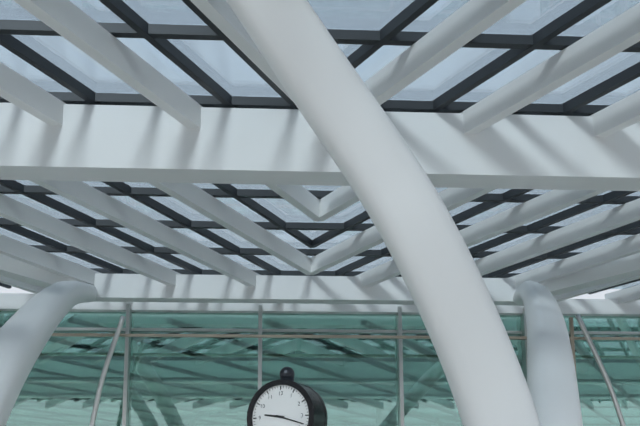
9 h 18 min
